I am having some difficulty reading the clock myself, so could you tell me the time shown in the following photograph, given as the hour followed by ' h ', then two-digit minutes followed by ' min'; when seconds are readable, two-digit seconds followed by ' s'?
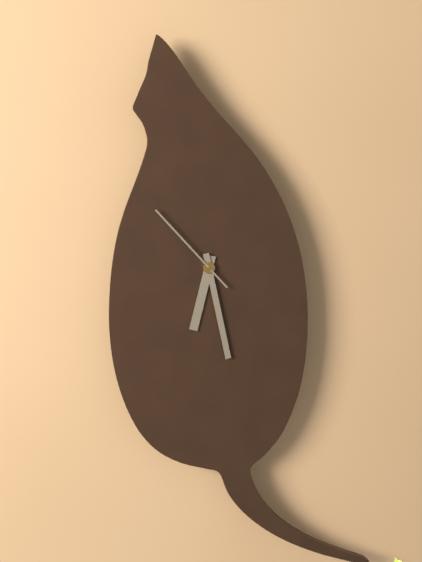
6 h 28 min 53 s
